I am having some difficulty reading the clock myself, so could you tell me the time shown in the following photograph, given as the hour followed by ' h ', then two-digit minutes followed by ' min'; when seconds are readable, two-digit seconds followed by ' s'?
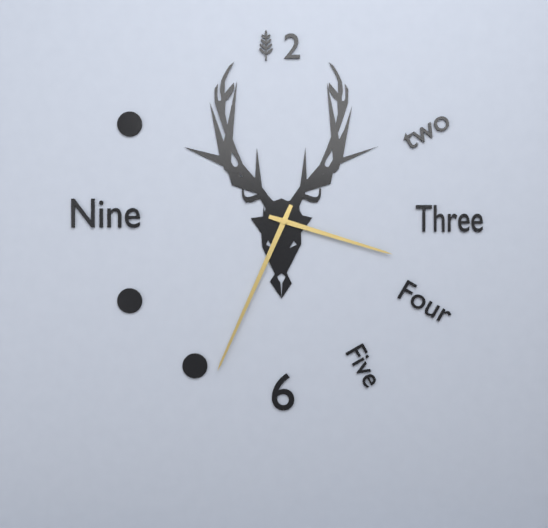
3 h 34 min
